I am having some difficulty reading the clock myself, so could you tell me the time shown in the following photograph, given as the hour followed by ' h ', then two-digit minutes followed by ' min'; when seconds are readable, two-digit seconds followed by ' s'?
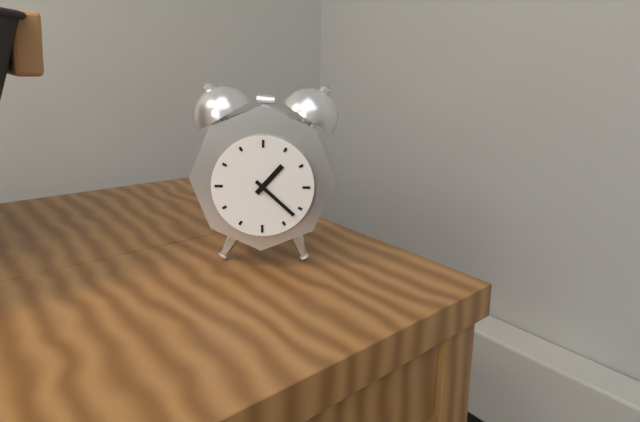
1 h 22 min
